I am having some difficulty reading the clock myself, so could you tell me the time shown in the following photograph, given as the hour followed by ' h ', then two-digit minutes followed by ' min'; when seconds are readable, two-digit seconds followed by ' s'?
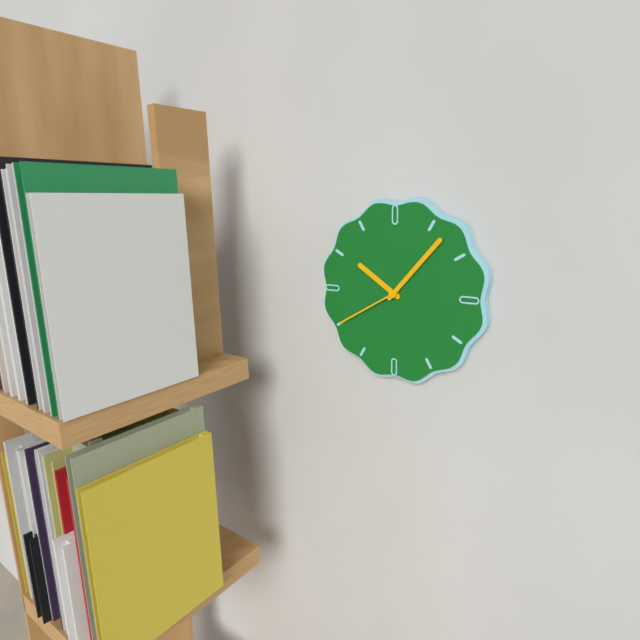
10 h 07 min 40 s
